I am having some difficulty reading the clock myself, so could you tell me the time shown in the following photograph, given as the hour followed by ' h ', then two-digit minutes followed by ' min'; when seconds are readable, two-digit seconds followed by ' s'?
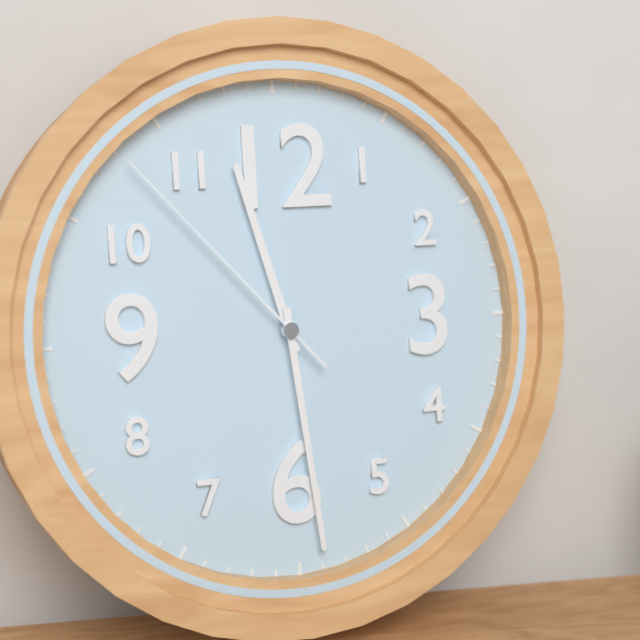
11 h 29 min 53 s
